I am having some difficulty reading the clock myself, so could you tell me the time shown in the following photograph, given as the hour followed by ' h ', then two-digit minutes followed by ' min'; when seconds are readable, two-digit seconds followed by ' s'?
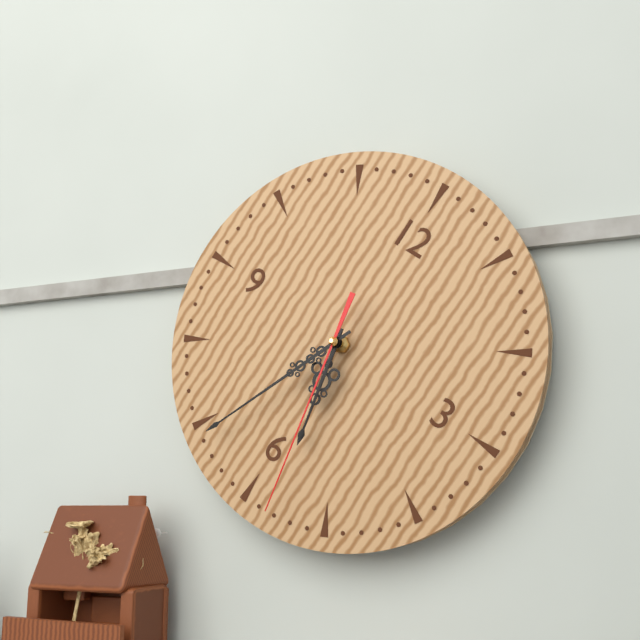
5 h 34 min 28 s
